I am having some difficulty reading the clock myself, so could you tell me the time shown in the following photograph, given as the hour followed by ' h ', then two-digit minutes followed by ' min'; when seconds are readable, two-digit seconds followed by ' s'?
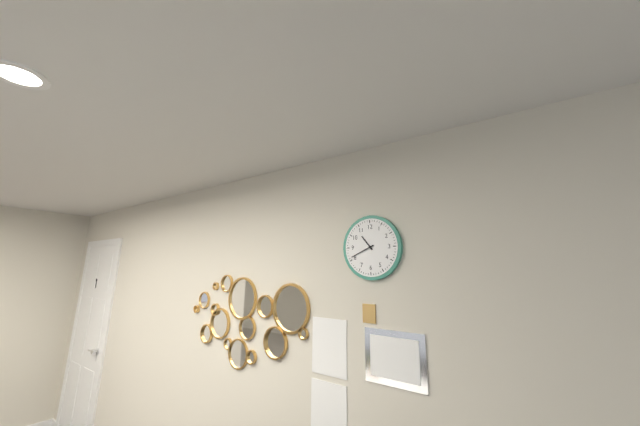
10 h 41 min
